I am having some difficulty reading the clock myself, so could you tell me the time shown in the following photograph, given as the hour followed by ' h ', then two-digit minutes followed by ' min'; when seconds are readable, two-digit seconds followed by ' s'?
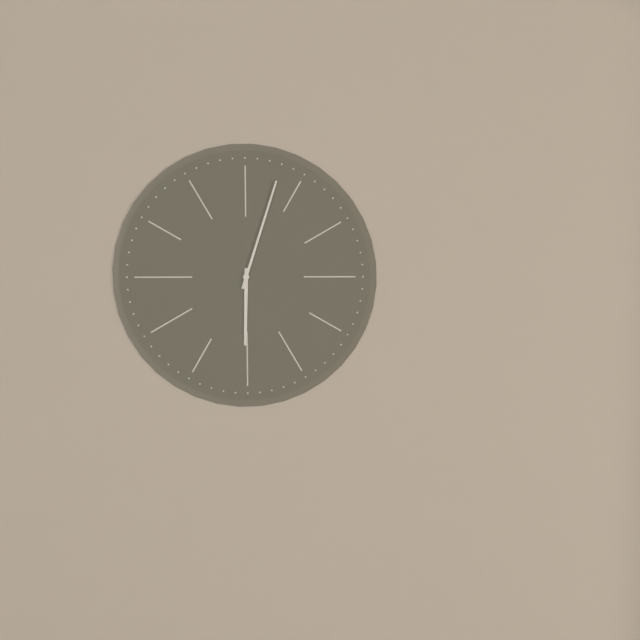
6 h 03 min
